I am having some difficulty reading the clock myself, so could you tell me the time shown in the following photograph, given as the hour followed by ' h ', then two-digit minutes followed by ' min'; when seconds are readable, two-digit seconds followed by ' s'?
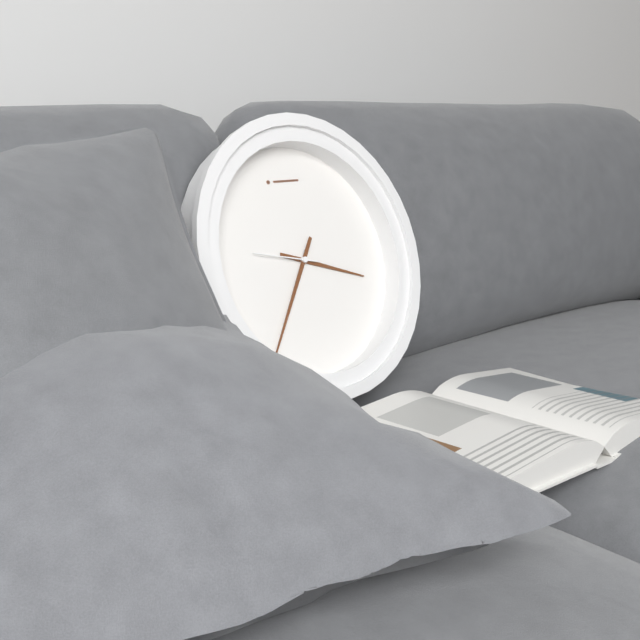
3 h 36 min 47 s
